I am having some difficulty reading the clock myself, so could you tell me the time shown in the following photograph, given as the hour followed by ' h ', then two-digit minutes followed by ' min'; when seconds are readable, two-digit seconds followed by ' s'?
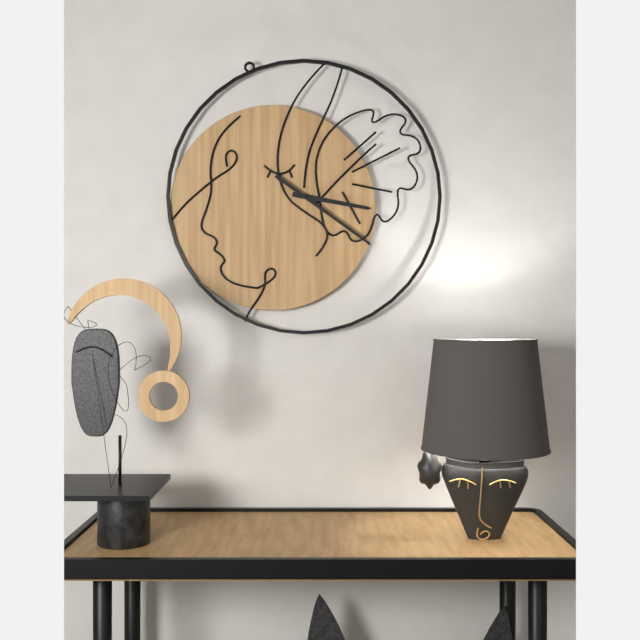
3 h 21 min
